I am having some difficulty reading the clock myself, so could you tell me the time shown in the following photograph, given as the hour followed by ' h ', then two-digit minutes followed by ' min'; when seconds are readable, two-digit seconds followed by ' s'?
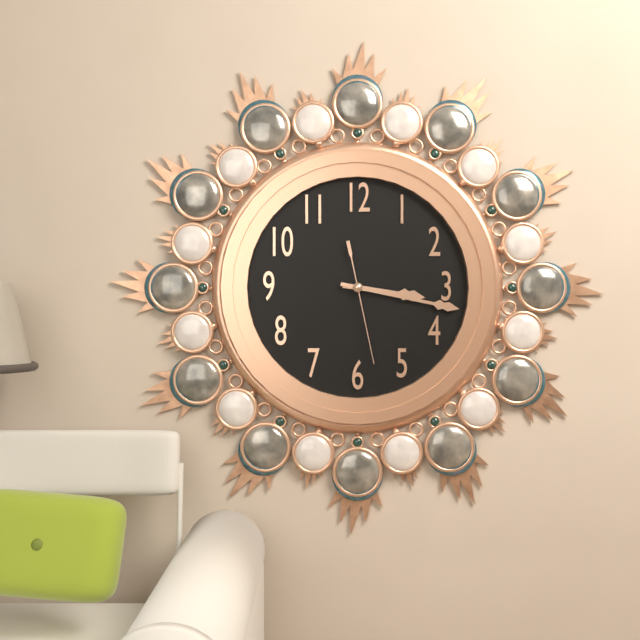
3 h 17 min 28 s
